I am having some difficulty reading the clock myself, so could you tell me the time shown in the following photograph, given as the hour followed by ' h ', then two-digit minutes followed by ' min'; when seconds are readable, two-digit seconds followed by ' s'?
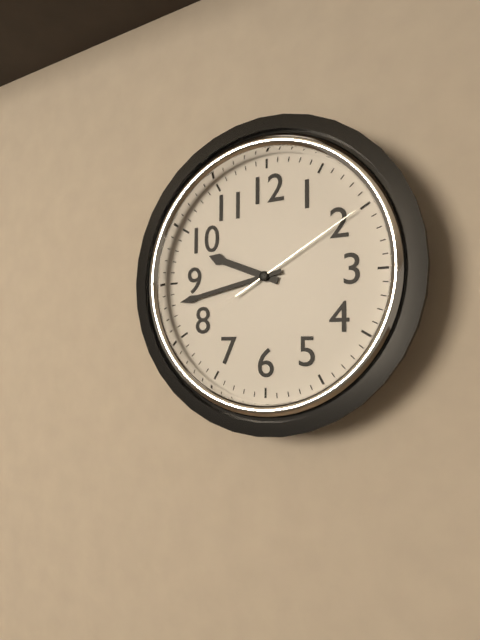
9 h 43 min 10 s
